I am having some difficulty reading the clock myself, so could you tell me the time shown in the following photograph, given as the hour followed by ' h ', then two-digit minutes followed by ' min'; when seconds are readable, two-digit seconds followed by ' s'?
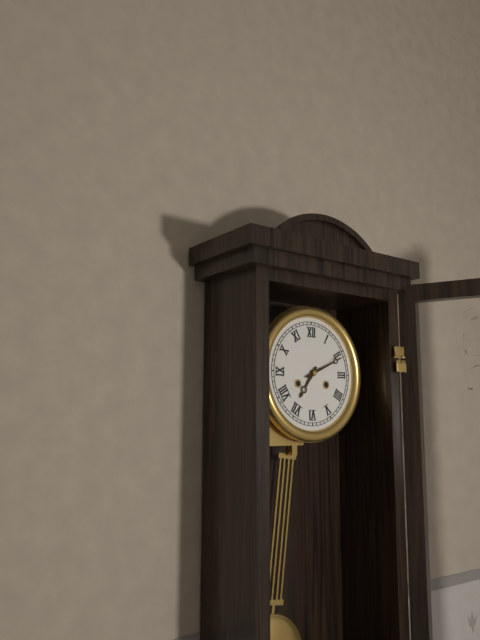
7 h 11 min
